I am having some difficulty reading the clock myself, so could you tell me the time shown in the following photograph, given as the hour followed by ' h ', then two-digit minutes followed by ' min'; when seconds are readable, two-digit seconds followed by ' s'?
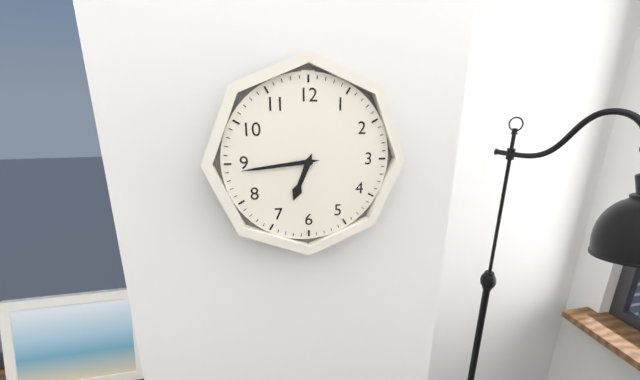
6 h 44 min
